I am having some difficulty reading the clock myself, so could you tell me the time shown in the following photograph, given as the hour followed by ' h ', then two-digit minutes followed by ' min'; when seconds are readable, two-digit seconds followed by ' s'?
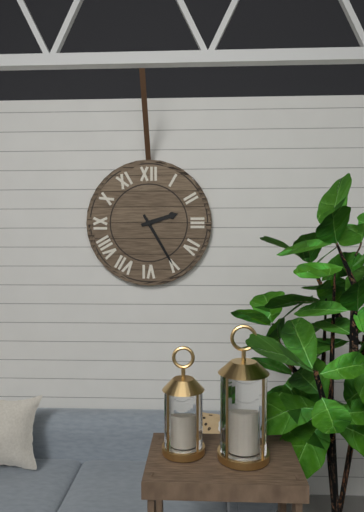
2 h 25 min
